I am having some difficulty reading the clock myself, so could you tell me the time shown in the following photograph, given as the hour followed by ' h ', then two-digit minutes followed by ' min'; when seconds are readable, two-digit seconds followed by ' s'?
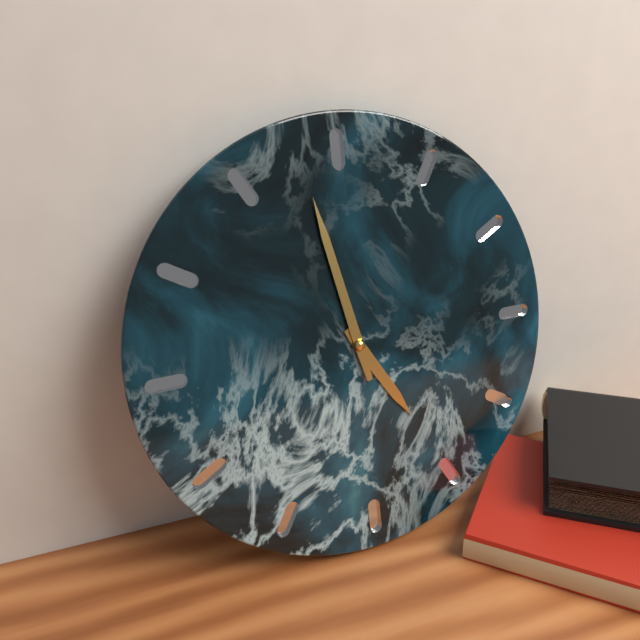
4 h 58 min
